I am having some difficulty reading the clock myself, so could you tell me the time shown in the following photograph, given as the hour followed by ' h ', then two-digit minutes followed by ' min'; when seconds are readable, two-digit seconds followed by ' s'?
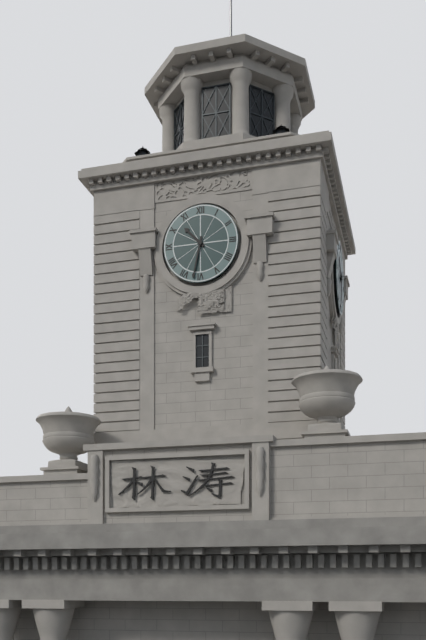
10 h 32 min
